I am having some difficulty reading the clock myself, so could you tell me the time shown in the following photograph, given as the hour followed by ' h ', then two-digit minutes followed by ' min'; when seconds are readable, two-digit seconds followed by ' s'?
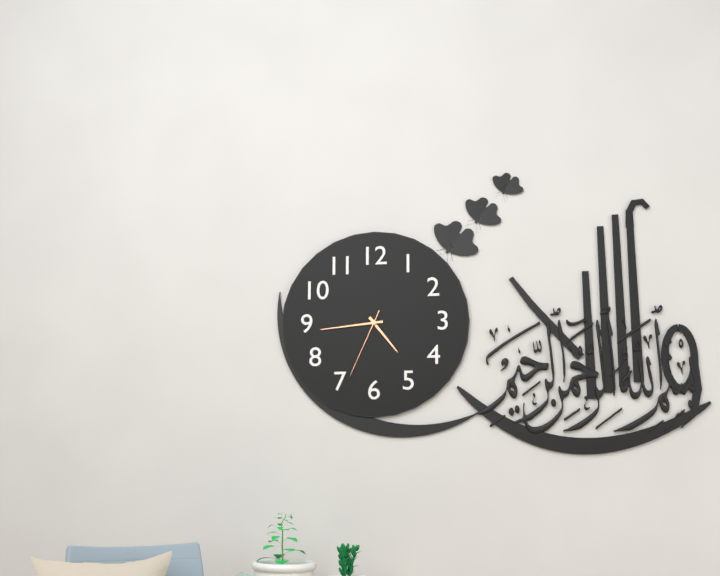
4 h 44 min 34 s
